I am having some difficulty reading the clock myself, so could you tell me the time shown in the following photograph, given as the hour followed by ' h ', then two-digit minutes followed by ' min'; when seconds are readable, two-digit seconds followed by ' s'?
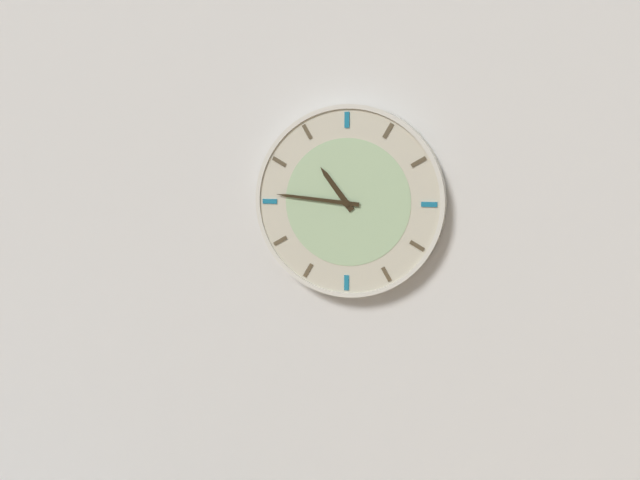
10 h 46 min
